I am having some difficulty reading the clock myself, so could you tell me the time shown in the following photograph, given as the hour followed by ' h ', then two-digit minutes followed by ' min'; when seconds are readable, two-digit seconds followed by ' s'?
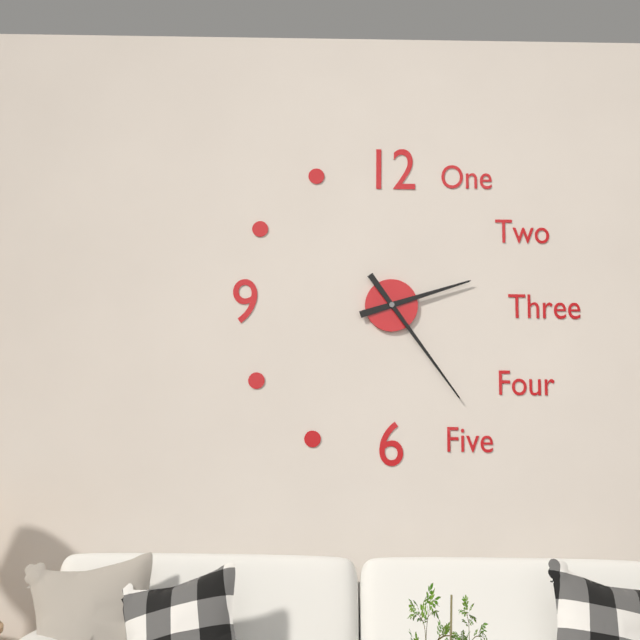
2 h 24 min
